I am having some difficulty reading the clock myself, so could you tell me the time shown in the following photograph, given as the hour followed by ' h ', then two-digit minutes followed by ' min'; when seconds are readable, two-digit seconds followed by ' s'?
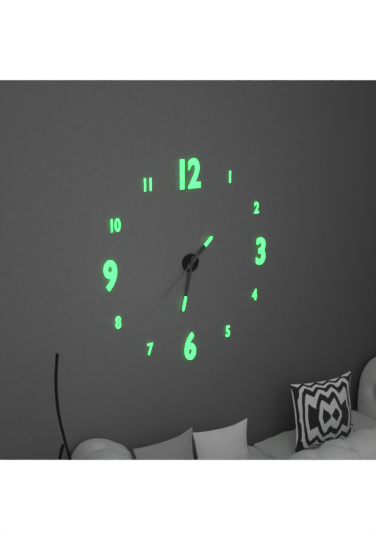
1 h 32 min 38 s
